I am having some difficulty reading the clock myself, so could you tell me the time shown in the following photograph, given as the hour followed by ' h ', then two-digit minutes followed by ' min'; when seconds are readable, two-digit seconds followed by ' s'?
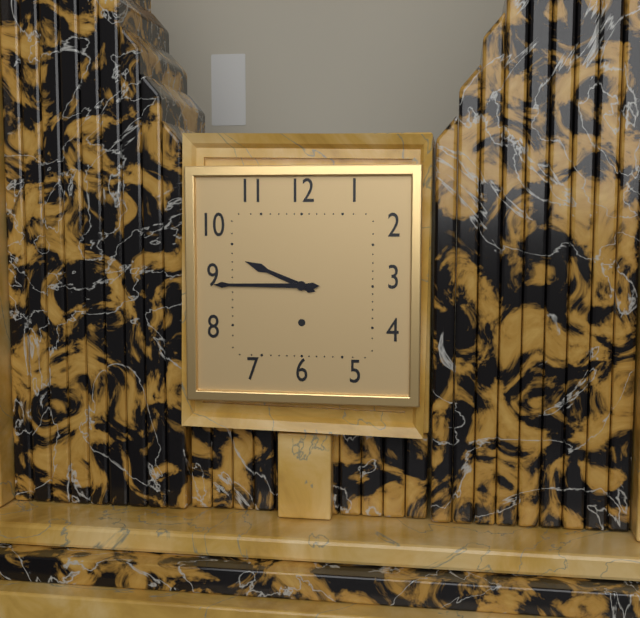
9 h 45 min
